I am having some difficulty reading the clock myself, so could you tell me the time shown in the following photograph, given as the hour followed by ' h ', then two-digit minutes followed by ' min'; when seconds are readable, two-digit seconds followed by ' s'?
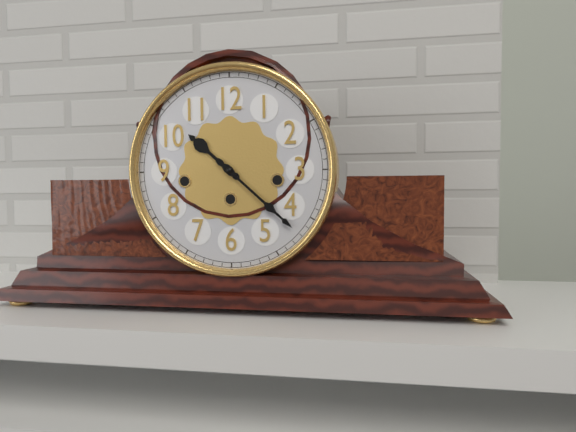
10 h 22 min
